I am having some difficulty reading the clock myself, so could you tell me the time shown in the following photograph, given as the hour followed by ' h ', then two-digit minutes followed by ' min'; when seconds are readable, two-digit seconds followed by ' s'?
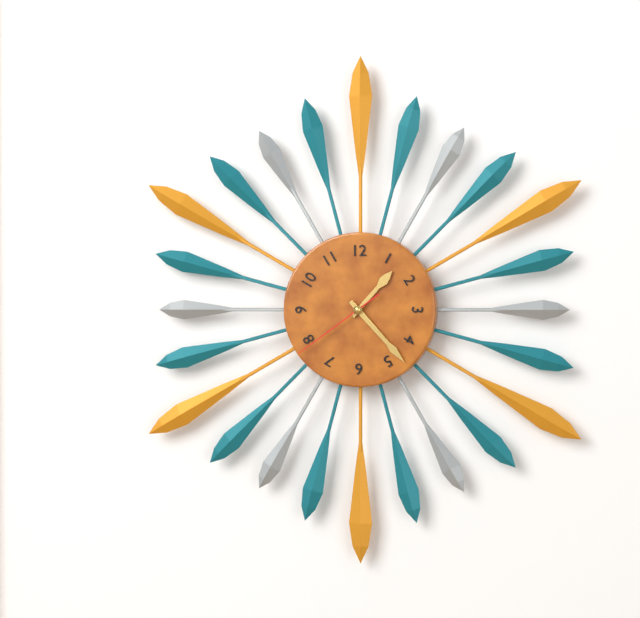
1 h 23 min 39 s
